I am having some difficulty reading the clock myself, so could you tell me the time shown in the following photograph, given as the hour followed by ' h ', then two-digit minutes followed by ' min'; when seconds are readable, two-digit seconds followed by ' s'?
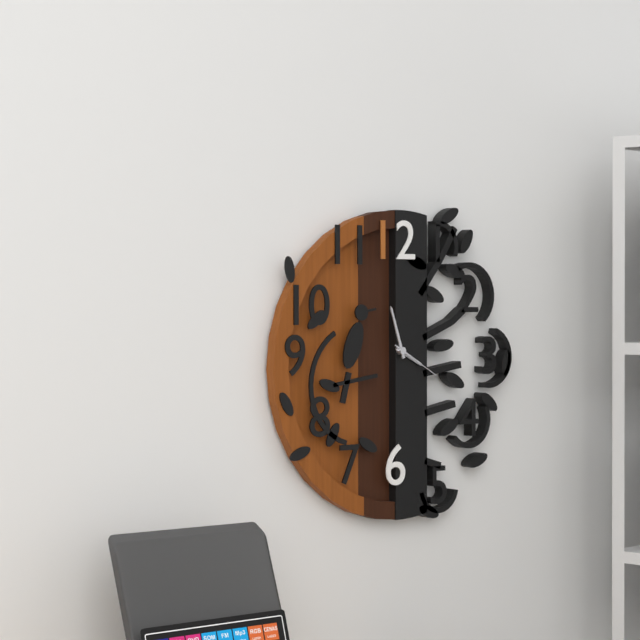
3 h 57 min 20 s
